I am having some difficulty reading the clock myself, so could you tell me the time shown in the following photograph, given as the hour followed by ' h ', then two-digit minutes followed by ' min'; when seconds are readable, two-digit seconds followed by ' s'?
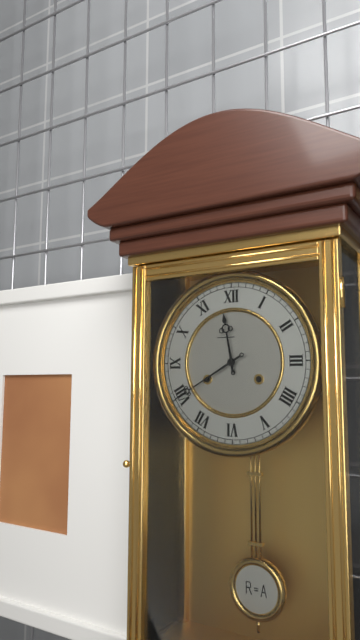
11 h 40 min
